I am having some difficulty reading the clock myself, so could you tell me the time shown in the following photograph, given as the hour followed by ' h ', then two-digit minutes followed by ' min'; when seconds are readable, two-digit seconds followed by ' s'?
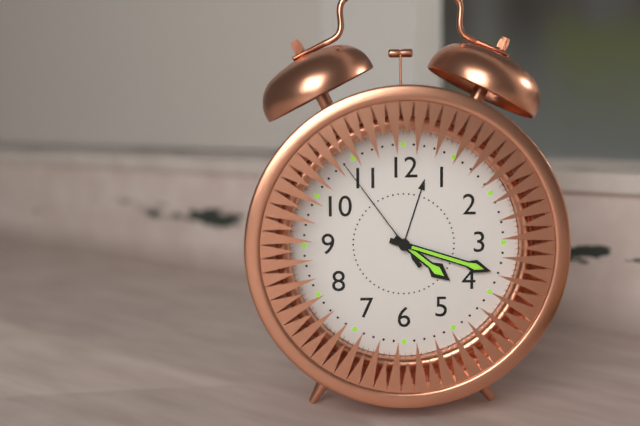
4 h 18 min 54 s
